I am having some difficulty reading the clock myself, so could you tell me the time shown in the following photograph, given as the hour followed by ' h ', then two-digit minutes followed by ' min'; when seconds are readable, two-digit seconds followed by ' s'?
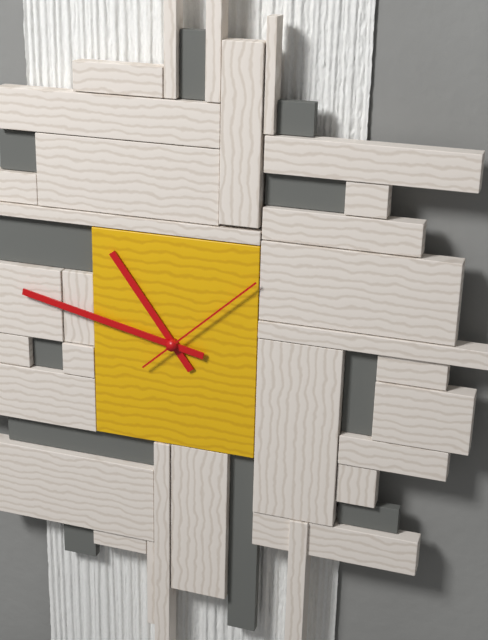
10 h 47 min 08 s
